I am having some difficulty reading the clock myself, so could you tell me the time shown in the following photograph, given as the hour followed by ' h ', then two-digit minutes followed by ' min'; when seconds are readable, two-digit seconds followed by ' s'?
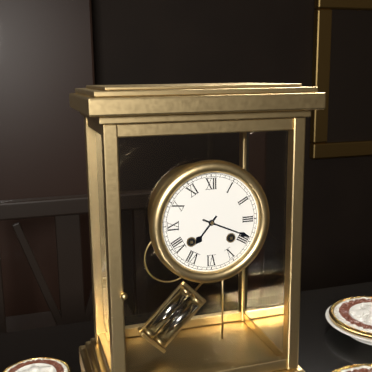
7 h 19 min
